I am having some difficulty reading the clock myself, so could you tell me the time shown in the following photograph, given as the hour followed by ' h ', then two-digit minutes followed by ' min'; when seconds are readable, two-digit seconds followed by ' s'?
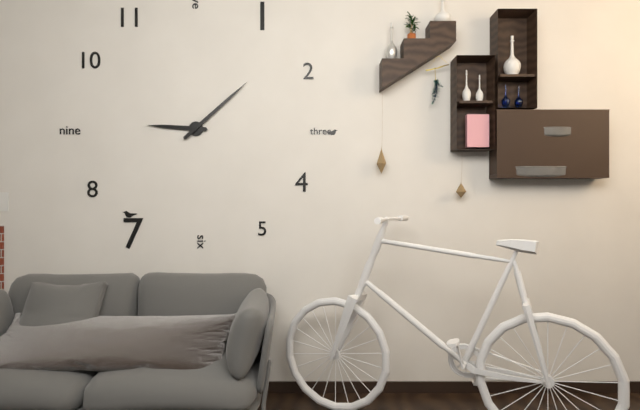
9 h 08 min
